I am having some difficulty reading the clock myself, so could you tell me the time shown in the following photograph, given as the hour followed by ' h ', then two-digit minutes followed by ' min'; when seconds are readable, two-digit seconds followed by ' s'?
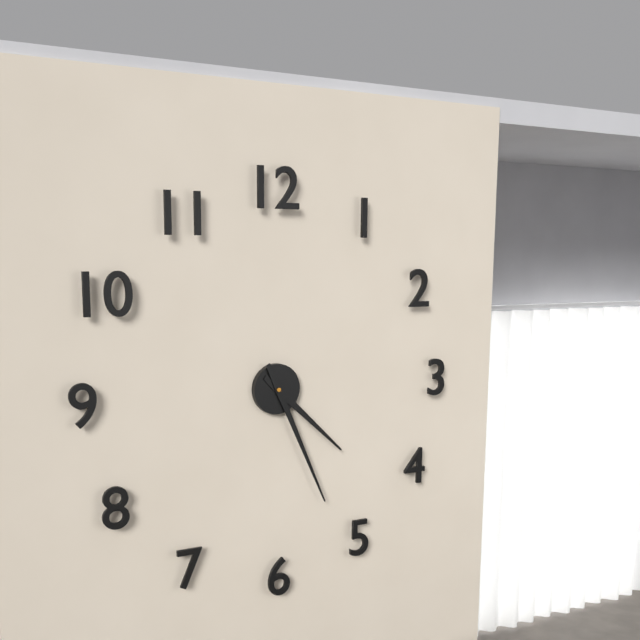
4 h 26 min
